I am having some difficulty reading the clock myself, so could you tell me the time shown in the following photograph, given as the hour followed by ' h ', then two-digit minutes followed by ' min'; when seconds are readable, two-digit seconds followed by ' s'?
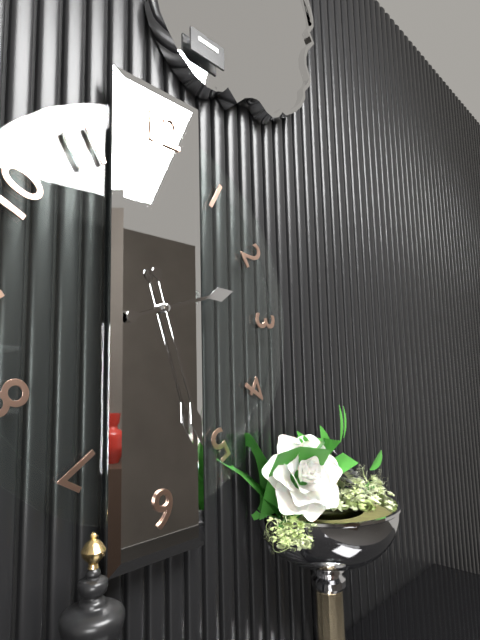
2 h 27 min
